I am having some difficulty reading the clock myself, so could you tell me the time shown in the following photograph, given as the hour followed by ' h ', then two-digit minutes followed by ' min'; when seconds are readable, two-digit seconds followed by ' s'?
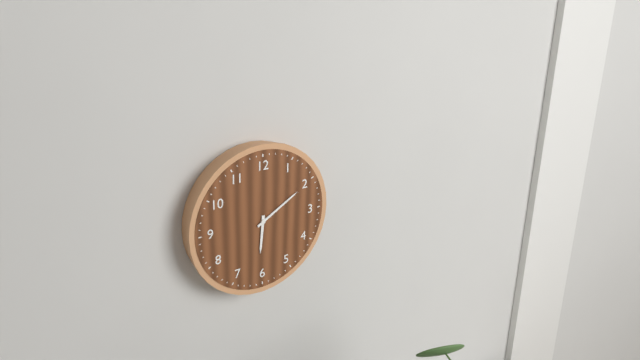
6 h 10 min
